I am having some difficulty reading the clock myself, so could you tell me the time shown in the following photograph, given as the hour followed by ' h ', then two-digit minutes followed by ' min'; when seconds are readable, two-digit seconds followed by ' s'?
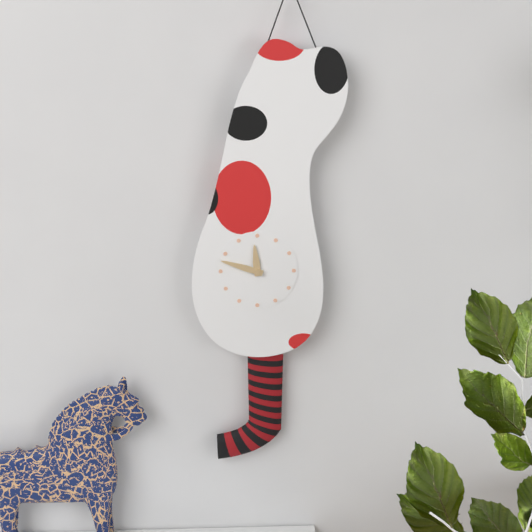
11 h 48 min
